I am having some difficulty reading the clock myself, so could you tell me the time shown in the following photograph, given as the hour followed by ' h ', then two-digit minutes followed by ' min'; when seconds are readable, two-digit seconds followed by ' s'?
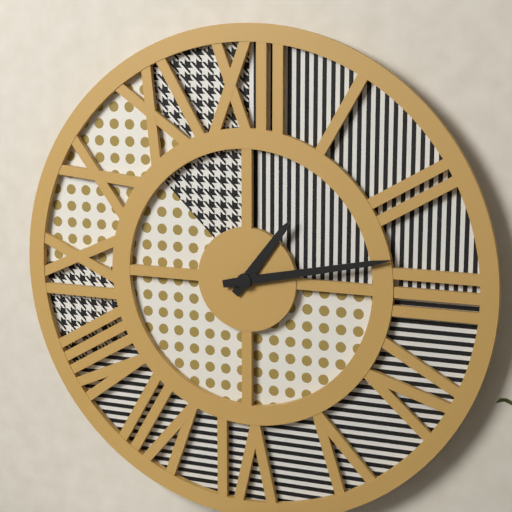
1 h 13 min
